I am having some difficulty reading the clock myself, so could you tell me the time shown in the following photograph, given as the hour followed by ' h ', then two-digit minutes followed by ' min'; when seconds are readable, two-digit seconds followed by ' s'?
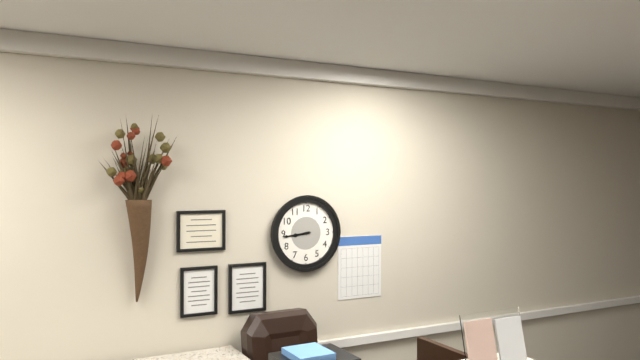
8 h 44 min
